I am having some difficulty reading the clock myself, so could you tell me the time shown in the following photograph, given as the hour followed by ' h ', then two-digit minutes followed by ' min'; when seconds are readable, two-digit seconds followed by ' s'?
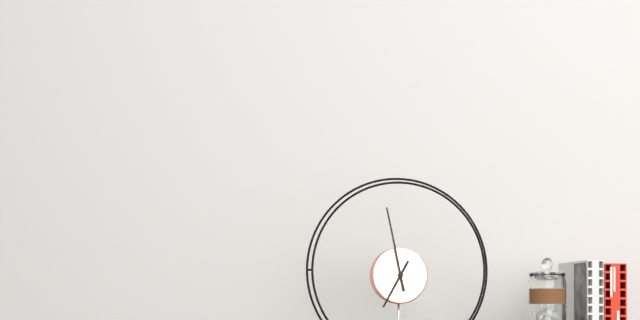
6 h 58 min
